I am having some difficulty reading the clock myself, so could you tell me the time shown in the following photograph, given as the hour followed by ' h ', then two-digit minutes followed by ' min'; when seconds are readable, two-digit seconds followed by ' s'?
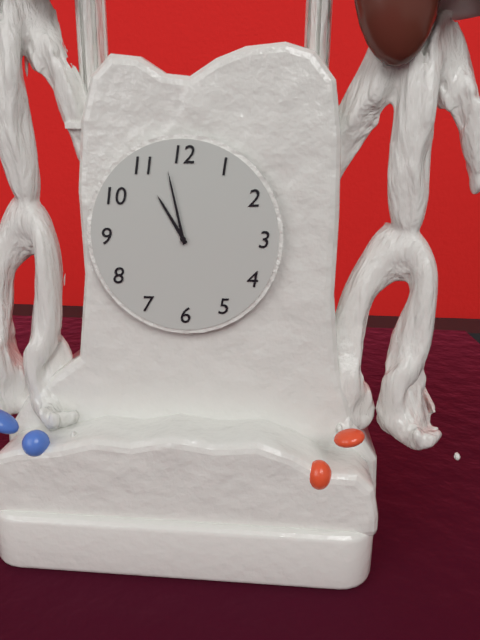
10 h 58 min
